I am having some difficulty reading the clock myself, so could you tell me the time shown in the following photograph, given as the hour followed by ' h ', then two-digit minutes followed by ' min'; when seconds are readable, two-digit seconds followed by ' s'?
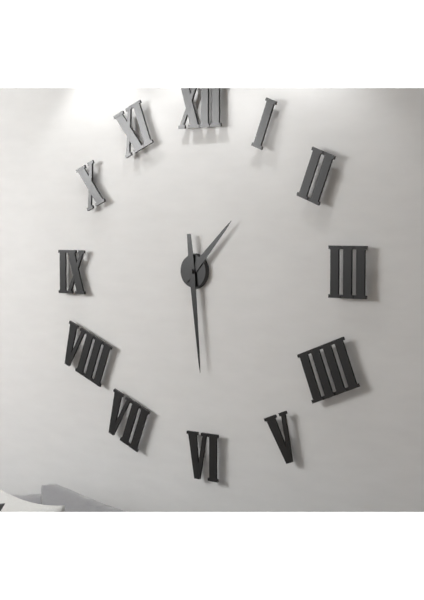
1 h 29 min
